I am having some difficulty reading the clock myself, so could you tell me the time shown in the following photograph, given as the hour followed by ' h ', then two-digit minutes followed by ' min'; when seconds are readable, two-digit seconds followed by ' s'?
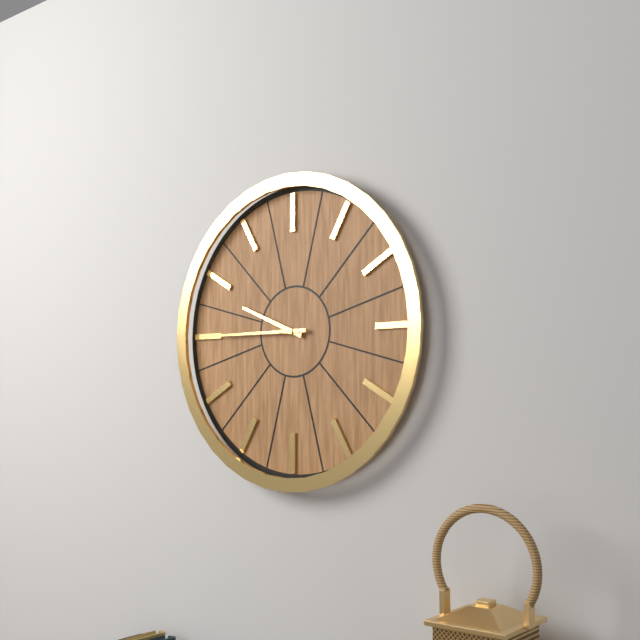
9 h 45 min
